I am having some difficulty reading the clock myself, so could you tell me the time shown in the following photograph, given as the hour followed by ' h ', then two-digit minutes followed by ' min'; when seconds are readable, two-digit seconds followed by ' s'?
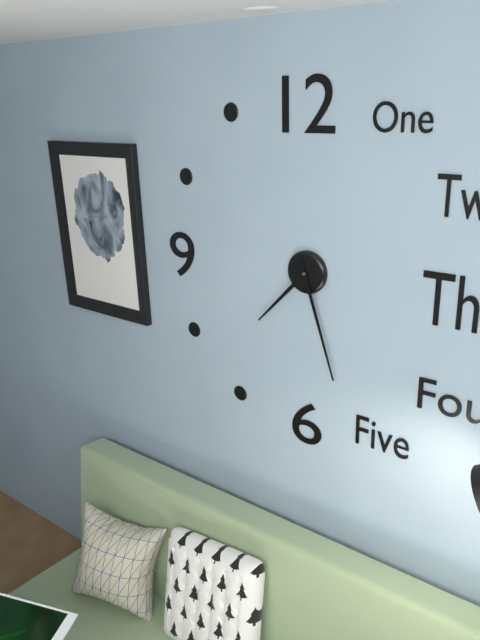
7 h 27 min
